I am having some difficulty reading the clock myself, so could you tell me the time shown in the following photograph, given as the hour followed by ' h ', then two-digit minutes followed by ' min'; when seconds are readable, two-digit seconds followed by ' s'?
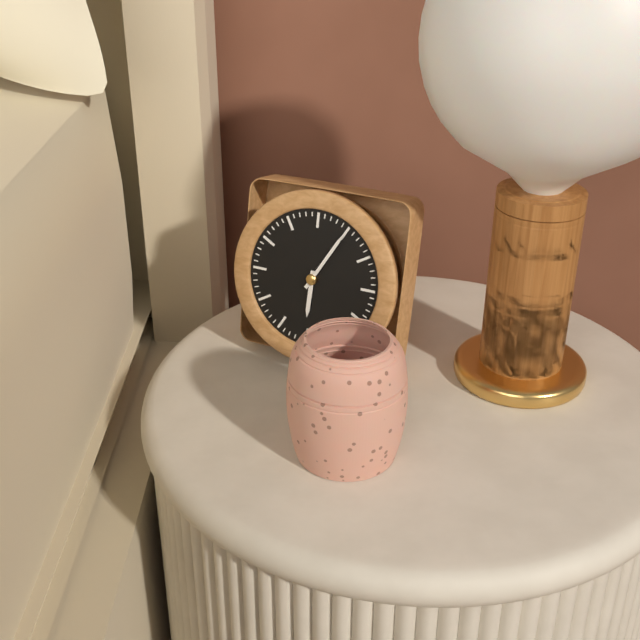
6 h 05 min
